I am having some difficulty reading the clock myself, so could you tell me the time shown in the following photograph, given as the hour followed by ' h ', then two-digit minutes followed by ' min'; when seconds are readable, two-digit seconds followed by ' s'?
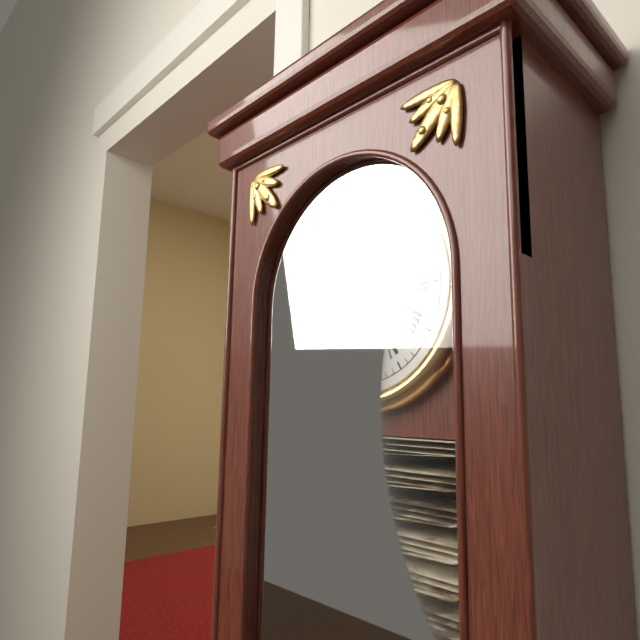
9 h 15 min
